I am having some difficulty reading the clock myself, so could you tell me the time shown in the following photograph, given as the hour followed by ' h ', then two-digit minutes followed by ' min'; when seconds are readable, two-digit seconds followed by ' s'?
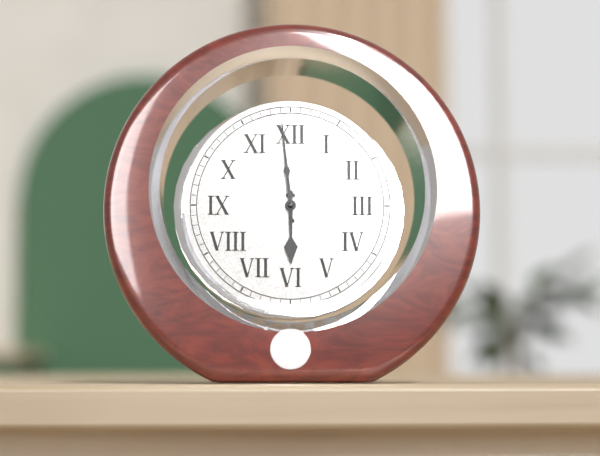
5 h 59 min
